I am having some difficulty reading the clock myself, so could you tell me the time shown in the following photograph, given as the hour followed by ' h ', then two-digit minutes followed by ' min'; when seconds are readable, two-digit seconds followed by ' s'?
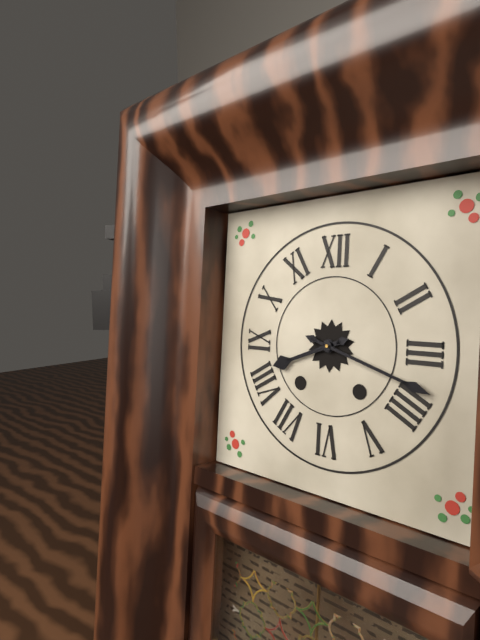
8 h 18 min
